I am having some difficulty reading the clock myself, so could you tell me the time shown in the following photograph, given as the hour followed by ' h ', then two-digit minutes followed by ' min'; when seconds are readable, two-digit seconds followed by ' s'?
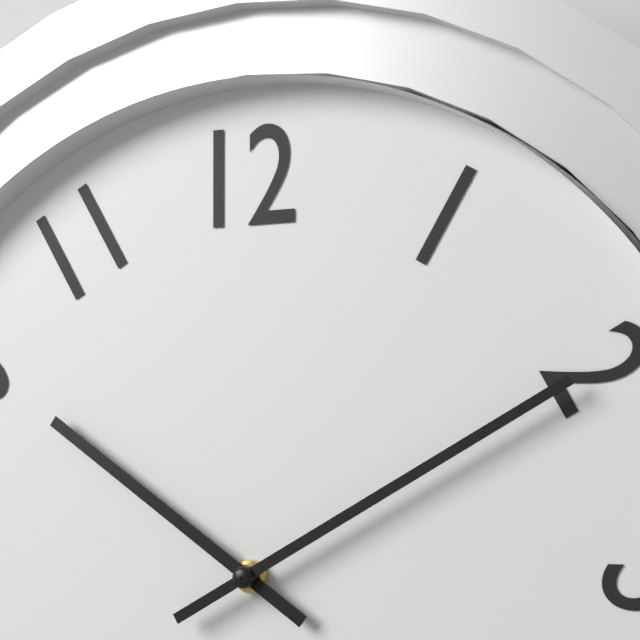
10 h 10 min
